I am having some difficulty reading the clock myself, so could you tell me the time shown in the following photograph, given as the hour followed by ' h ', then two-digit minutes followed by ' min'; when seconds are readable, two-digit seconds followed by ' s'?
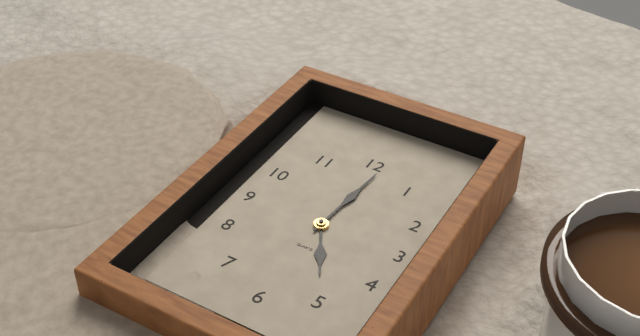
5 h 01 min
